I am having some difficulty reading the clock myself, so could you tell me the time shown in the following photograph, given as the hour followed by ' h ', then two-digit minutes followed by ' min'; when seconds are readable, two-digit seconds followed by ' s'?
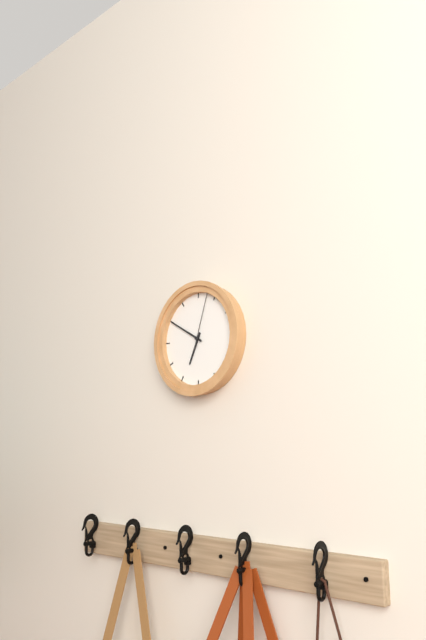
6 h 50 min 03 s
